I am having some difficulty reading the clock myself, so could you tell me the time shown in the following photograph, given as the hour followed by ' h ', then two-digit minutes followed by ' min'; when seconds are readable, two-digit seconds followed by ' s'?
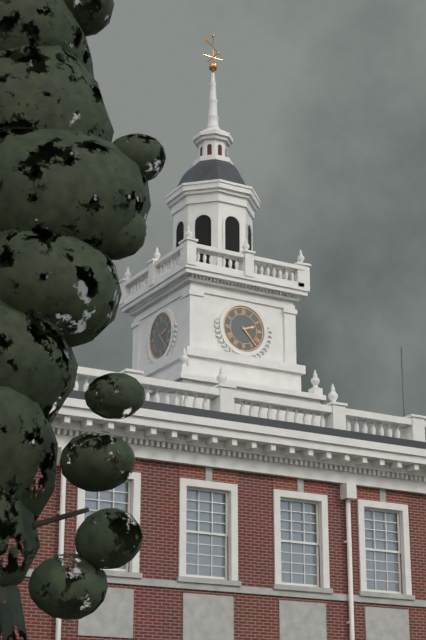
2 h 23 min
